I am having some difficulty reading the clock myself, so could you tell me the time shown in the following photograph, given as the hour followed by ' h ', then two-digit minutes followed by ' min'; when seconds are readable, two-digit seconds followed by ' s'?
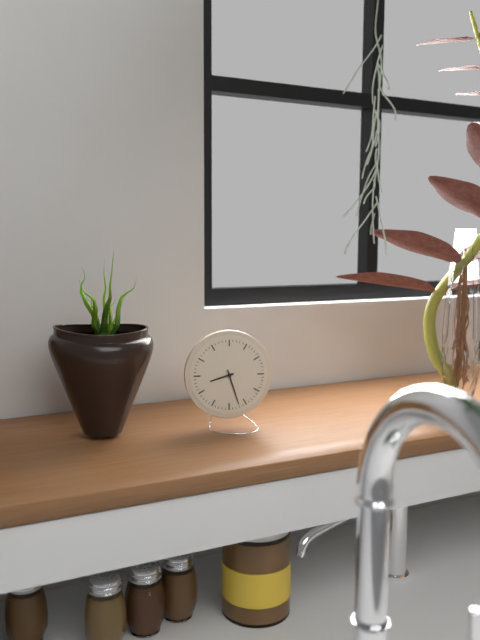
8 h 27 min
